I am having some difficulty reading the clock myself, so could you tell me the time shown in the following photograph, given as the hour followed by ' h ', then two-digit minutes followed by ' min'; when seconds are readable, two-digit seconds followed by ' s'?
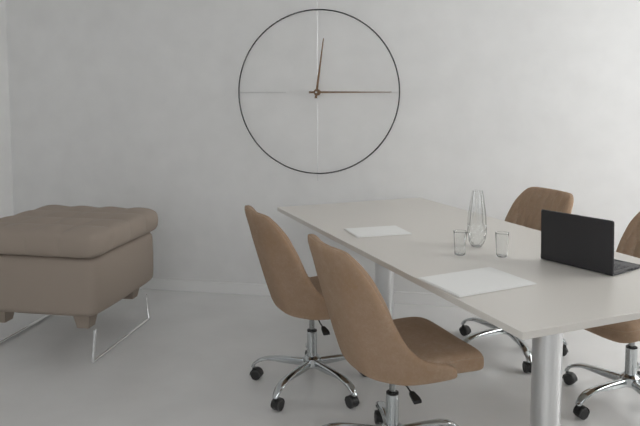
12 h 15 min
